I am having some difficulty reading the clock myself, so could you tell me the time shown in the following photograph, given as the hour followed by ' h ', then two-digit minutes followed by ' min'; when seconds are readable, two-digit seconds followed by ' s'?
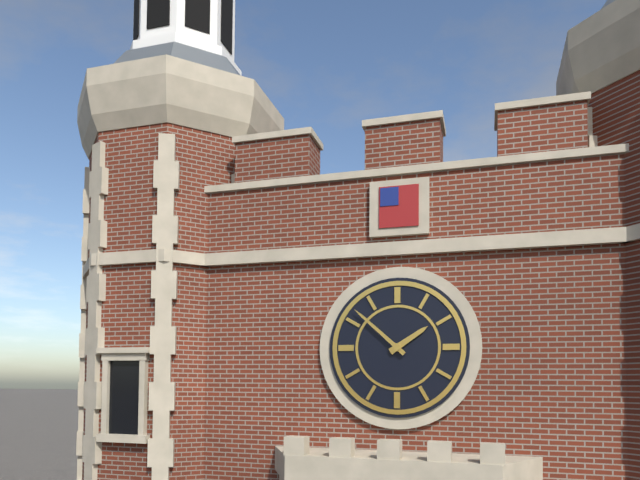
1 h 52 min
